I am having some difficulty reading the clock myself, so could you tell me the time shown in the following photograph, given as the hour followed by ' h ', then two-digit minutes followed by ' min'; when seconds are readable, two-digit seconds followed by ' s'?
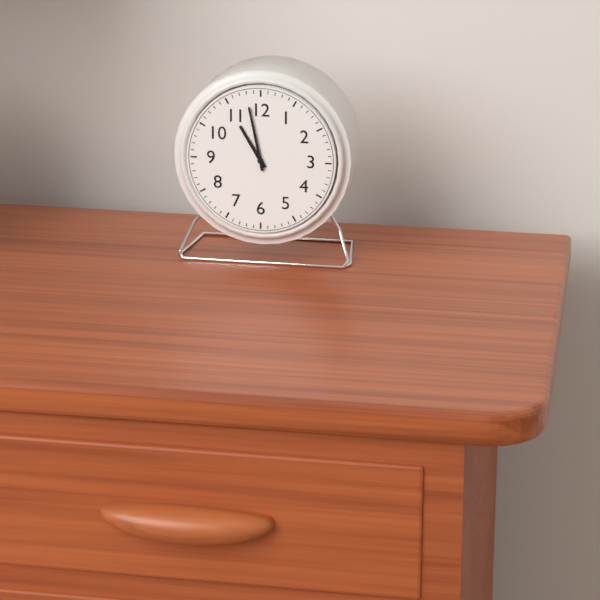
10 h 58 min
